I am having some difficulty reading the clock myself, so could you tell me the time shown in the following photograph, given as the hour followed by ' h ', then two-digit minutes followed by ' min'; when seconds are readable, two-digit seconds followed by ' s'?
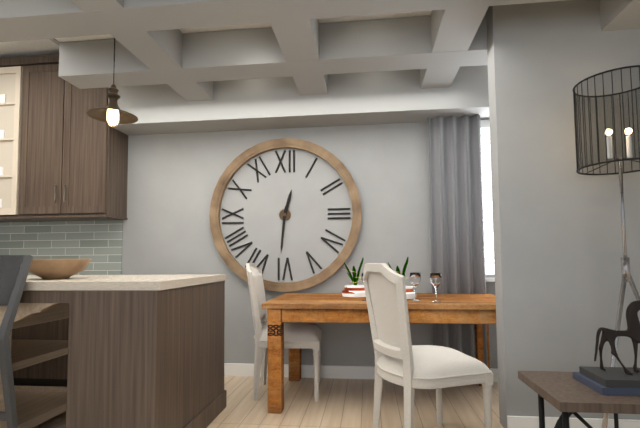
12 h 31 min
